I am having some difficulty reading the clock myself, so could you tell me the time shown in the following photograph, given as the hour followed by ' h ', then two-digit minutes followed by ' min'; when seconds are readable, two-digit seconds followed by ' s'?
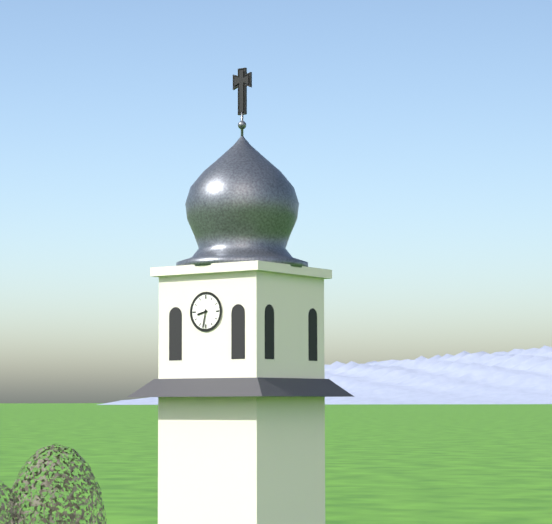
8 h 32 min
